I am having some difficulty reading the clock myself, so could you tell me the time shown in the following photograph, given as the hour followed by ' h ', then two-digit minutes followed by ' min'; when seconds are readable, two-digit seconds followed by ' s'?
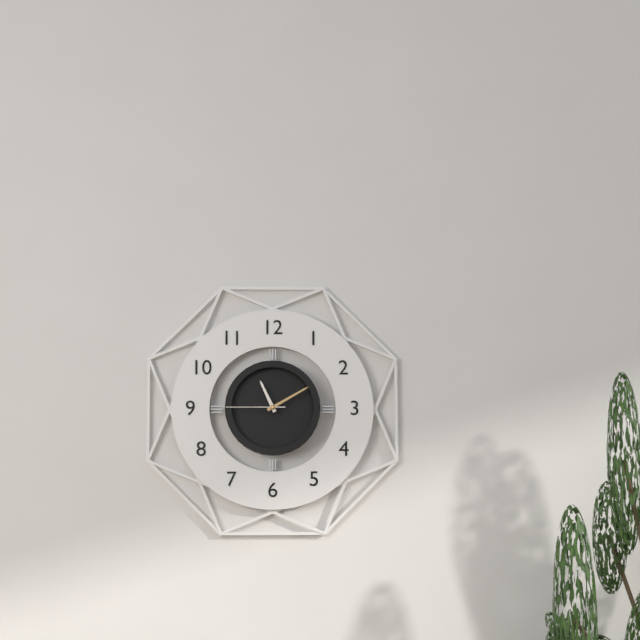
11 h 10 min 45 s
